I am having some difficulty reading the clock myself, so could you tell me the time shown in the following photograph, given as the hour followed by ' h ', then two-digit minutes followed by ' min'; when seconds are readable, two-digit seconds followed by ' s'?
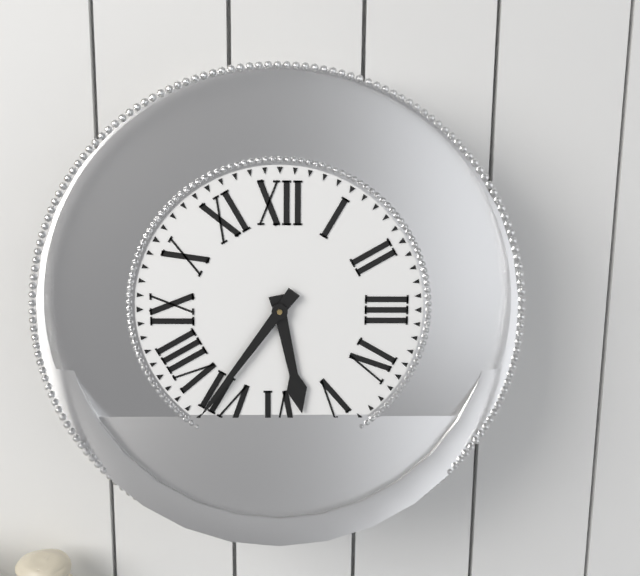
5 h 36 min
